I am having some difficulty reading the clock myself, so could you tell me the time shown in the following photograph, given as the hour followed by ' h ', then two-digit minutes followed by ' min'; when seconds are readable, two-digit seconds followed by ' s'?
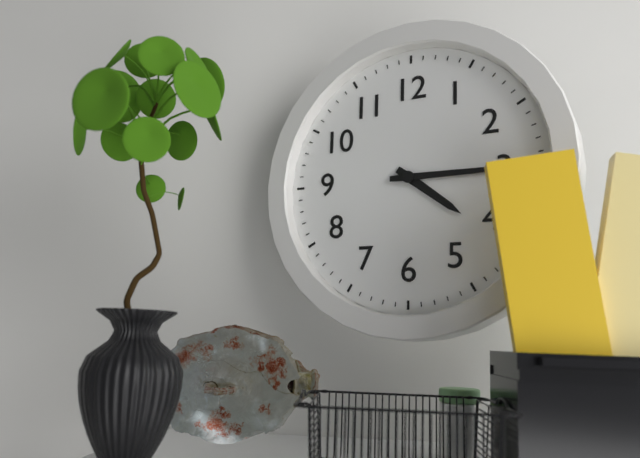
4 h 15 min
